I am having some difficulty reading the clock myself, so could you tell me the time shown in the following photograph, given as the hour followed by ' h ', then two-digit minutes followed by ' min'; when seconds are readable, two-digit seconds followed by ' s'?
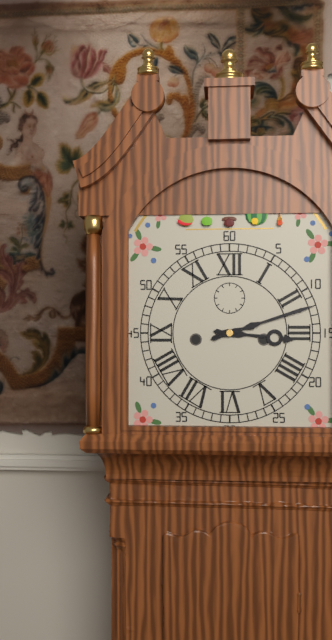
3 h 12 min
